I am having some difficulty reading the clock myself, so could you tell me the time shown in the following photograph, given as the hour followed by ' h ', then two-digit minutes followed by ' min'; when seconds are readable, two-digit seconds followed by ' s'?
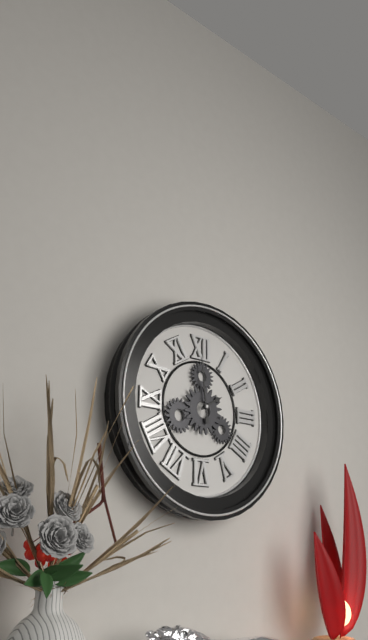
1 h 59 min
